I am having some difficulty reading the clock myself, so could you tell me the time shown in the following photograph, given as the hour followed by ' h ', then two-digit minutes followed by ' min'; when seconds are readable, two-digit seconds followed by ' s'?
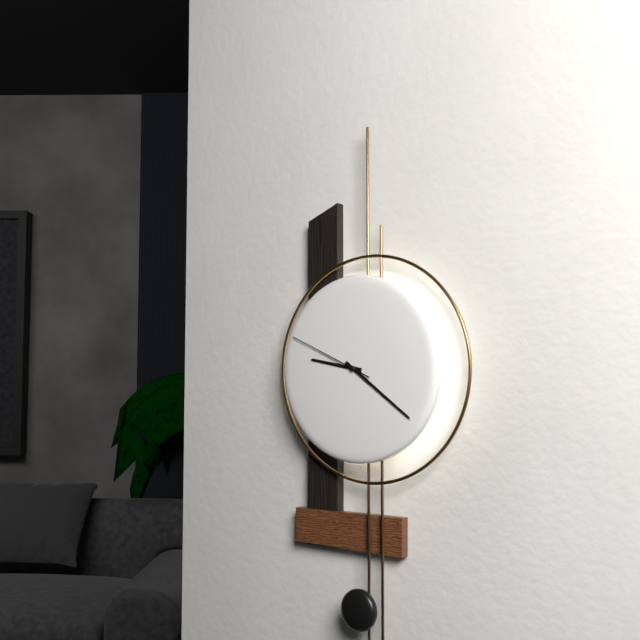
9 h 21 min 49 s
